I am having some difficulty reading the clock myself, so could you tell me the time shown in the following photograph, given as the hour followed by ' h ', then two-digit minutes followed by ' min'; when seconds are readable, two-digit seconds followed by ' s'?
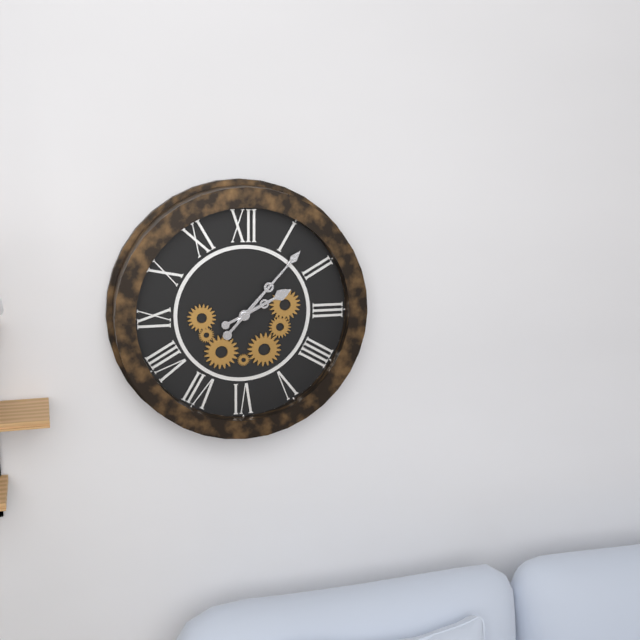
2 h 07 min
